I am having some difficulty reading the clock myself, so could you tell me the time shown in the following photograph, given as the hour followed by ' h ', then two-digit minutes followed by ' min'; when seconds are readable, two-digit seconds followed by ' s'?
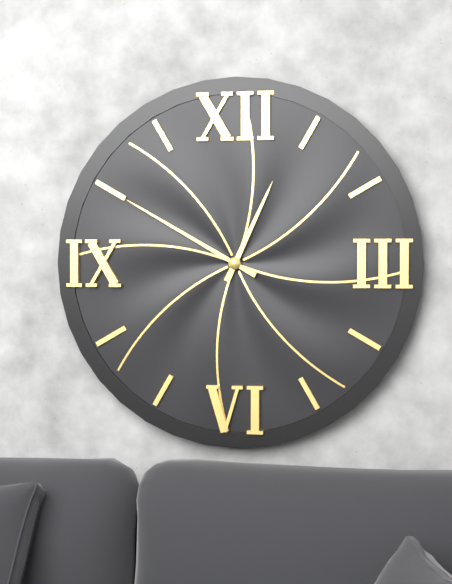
12 h 50 min
